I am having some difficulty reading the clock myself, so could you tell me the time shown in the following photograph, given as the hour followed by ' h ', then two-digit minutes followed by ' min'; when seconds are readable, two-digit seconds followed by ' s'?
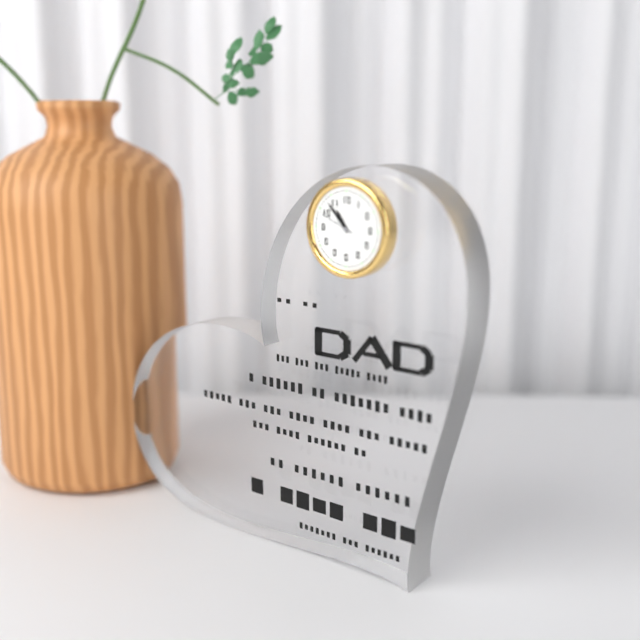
10 h 53 min
